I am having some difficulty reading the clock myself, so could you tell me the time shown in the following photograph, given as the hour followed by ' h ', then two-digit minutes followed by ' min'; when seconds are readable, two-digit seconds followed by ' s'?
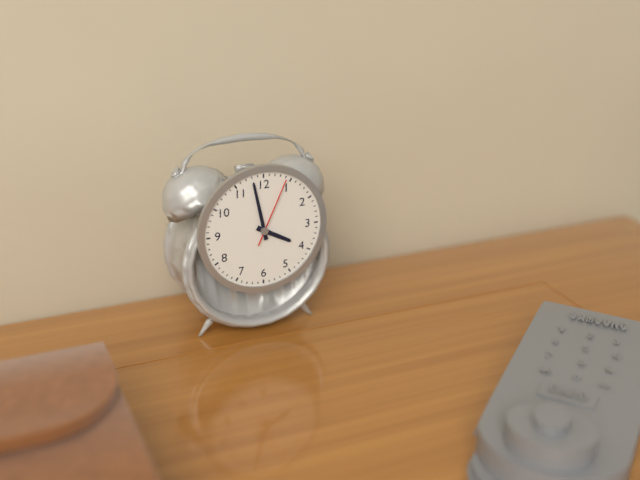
3 h 58 min 04 s
